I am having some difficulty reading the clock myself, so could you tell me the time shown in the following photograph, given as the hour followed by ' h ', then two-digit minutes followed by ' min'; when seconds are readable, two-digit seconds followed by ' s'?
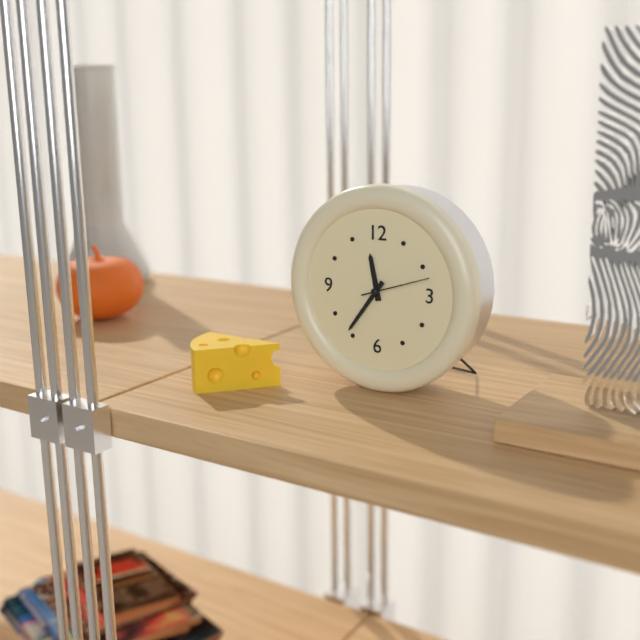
11 h 36 min 12 s
